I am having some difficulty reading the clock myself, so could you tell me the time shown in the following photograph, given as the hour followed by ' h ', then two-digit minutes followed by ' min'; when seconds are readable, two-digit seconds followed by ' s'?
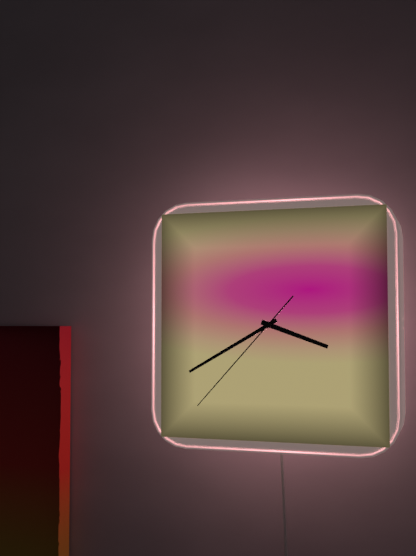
3 h 40 min 37 s
